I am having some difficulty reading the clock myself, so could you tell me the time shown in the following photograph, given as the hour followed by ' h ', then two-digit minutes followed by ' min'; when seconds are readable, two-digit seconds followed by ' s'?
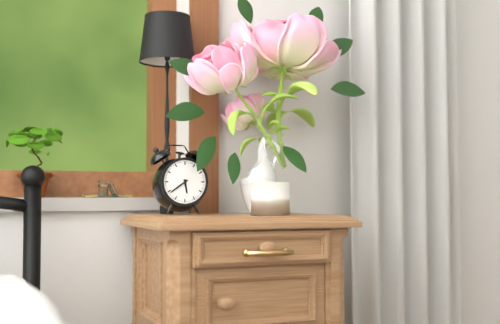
5 h 39 min
